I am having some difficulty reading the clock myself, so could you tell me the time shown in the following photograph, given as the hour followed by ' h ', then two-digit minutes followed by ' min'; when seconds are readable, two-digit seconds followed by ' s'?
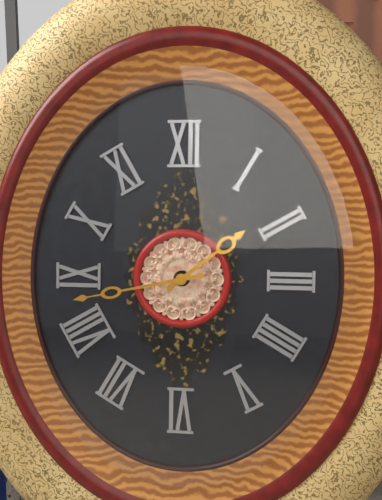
1 h 43 min
